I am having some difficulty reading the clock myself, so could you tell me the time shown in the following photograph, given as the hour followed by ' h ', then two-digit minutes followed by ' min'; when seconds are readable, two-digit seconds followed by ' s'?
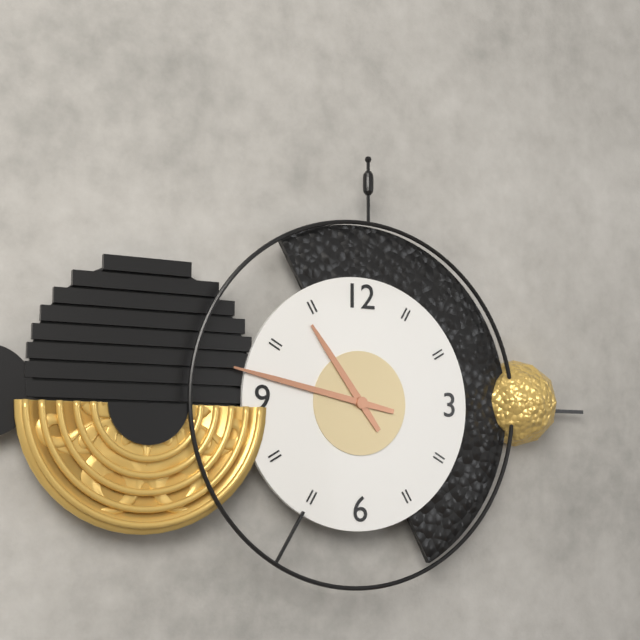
10 h 47 min
